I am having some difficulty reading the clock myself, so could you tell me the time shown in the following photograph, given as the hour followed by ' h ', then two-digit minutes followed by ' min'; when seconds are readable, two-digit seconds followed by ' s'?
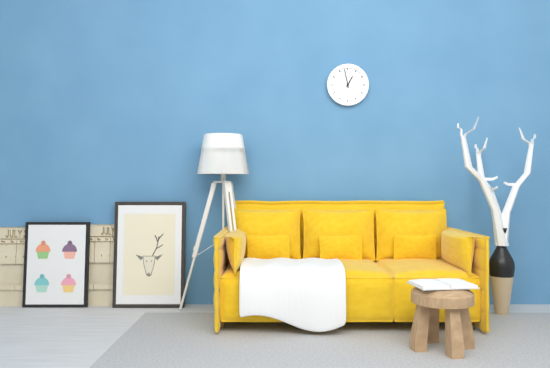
12 h 58 min
